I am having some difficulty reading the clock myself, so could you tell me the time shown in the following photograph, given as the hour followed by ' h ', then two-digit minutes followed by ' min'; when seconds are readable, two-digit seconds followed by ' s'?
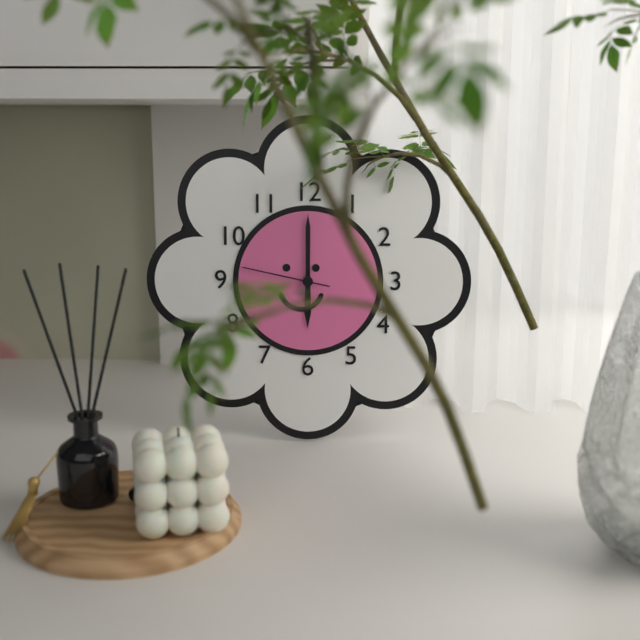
6 h 00 min 47 s
